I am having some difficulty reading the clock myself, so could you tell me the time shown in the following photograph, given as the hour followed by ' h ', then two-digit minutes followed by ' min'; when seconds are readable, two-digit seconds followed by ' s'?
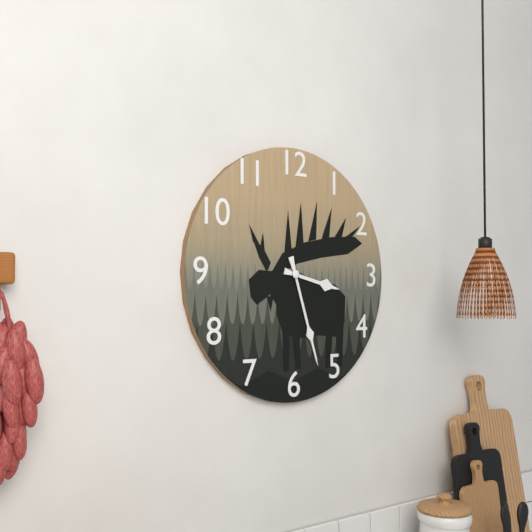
3 h 27 min
